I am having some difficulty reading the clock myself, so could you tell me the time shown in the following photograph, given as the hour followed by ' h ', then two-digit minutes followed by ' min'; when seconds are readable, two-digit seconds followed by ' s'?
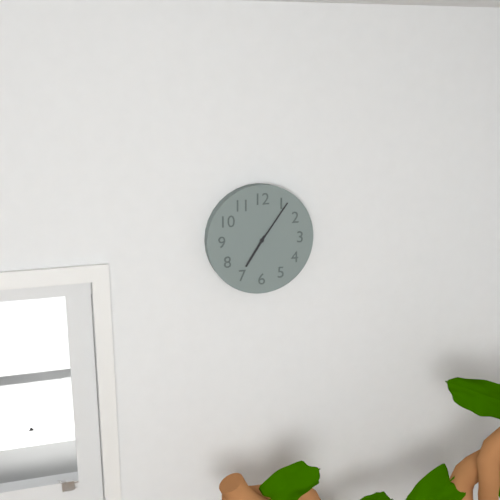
7 h 06 min
